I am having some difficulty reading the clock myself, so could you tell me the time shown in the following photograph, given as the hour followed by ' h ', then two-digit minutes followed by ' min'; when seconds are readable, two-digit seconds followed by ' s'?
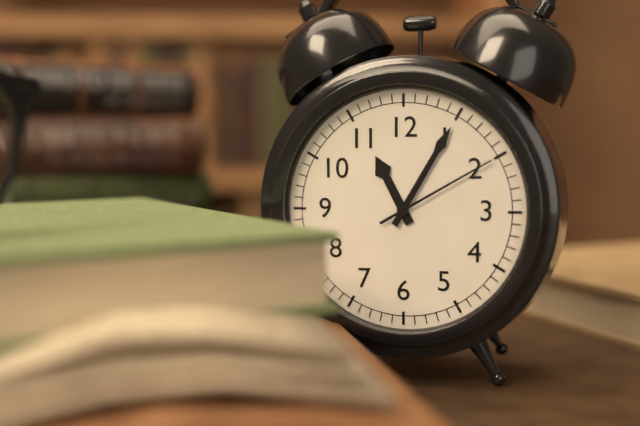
11 h 05 min 10 s
